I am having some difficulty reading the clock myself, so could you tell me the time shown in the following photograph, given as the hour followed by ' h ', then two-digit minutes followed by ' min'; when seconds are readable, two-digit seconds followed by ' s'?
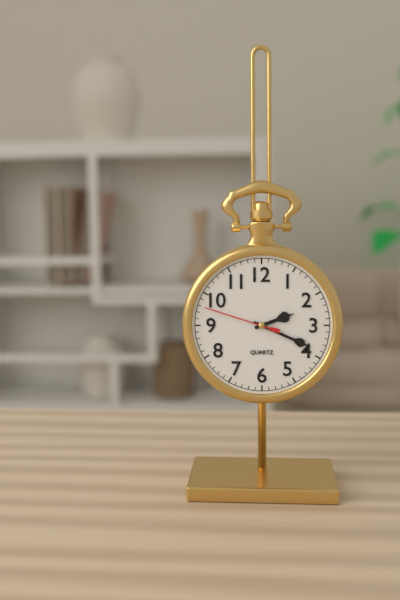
2 h 19 min 48 s
